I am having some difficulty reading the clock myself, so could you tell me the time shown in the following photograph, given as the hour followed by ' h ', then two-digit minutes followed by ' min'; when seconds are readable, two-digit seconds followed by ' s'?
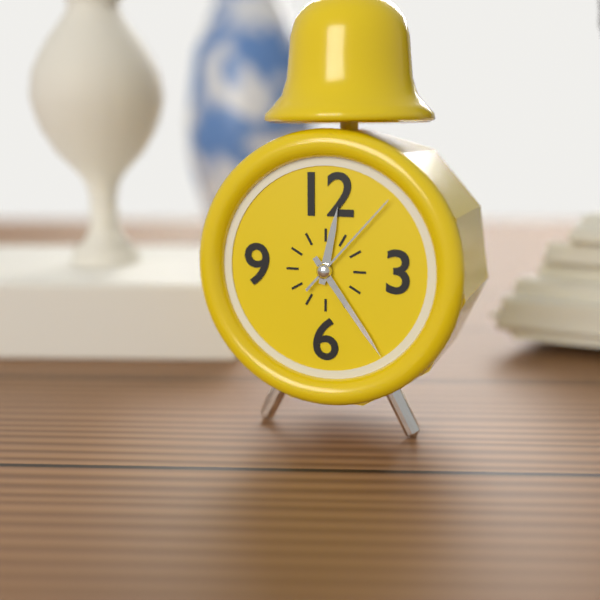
12 h 24 min 07 s
